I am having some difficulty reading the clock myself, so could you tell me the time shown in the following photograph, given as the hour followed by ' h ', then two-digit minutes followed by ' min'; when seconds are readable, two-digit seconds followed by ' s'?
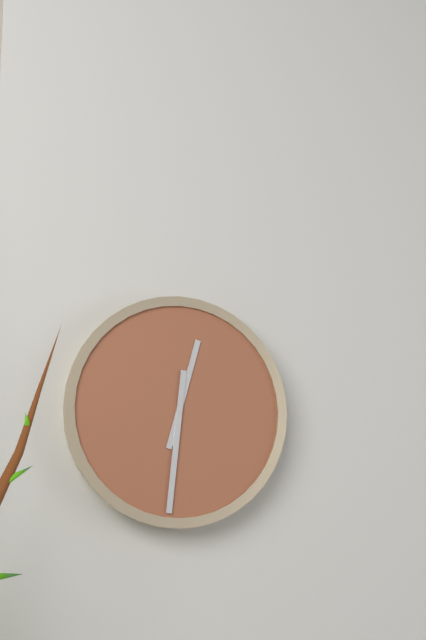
12 h 31 min
